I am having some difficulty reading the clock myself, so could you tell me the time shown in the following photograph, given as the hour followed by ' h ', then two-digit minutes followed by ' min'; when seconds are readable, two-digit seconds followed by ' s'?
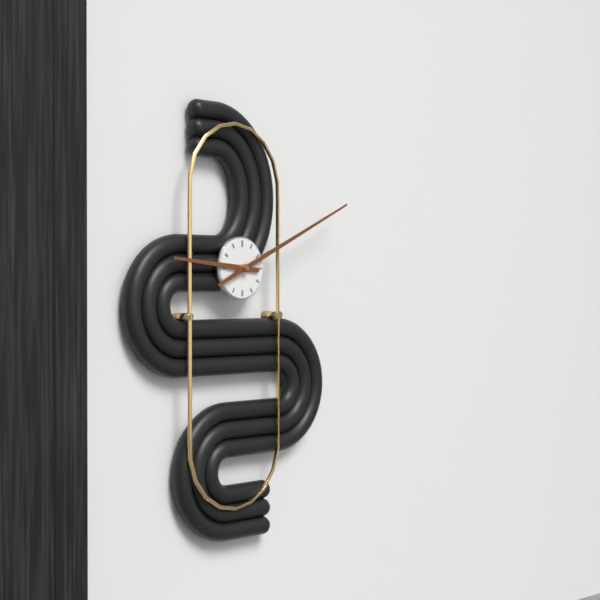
9 h 11 min
